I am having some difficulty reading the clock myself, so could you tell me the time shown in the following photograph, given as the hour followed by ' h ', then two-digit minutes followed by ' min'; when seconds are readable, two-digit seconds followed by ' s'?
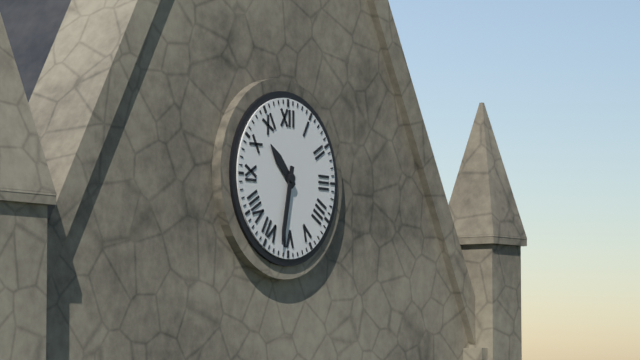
10 h 32 min
